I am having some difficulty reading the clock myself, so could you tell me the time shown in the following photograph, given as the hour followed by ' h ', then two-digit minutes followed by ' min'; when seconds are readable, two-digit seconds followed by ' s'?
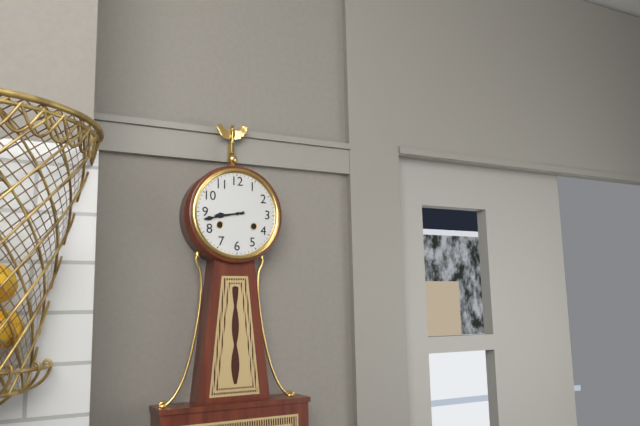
8 h 43 min
